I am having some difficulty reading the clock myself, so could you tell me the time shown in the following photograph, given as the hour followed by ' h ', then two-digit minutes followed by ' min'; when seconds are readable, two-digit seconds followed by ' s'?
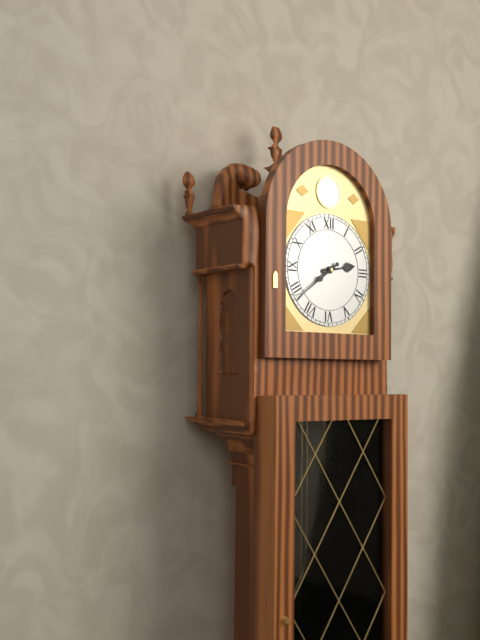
2 h 39 min
